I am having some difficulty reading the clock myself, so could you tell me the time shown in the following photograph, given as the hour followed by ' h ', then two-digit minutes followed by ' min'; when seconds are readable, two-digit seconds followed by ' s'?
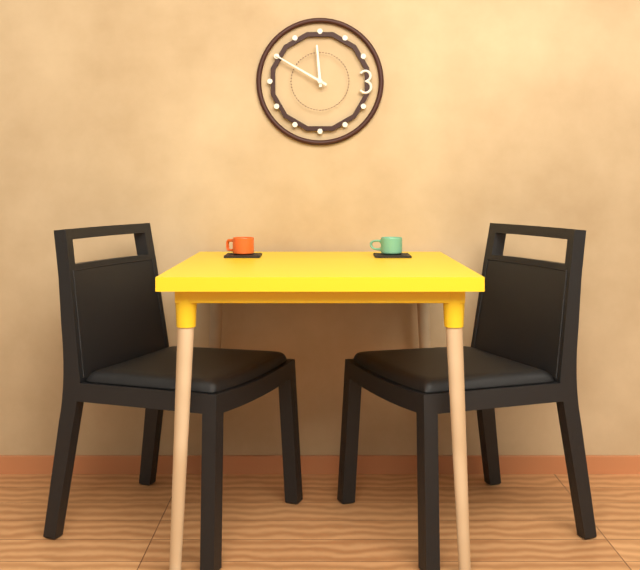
11 h 50 min
